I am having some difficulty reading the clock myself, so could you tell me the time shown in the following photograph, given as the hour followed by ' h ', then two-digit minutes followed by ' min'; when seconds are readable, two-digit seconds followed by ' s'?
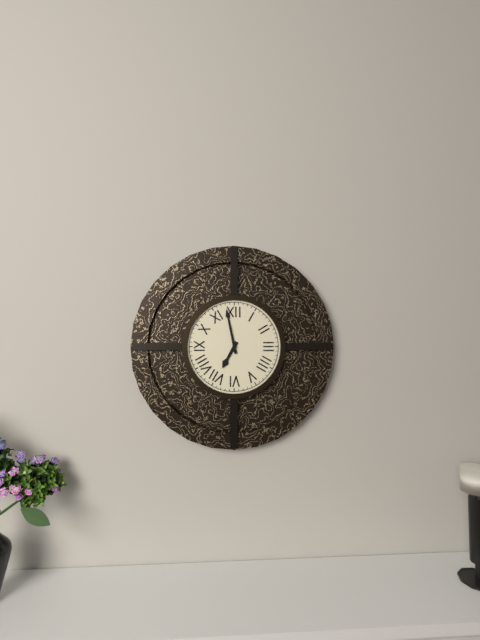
6 h 58 min
